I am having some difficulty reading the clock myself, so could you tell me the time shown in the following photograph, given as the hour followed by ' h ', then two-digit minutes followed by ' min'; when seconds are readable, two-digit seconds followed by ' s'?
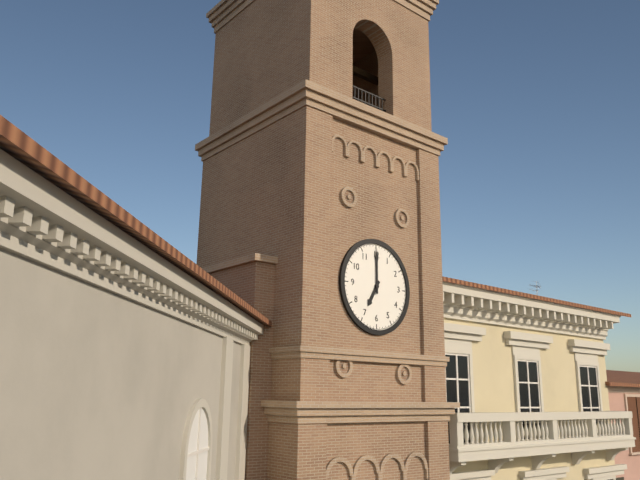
7 h 00 min
